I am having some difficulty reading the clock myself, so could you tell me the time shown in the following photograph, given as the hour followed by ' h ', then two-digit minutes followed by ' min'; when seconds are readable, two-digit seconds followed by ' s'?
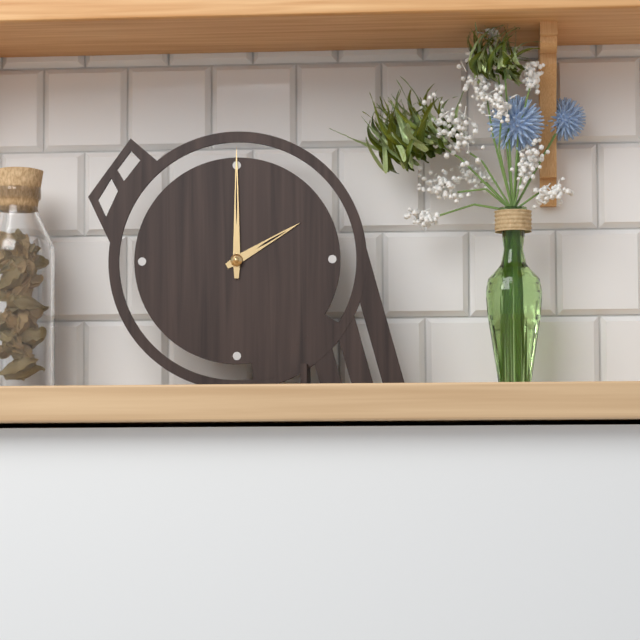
2 h 00 min
